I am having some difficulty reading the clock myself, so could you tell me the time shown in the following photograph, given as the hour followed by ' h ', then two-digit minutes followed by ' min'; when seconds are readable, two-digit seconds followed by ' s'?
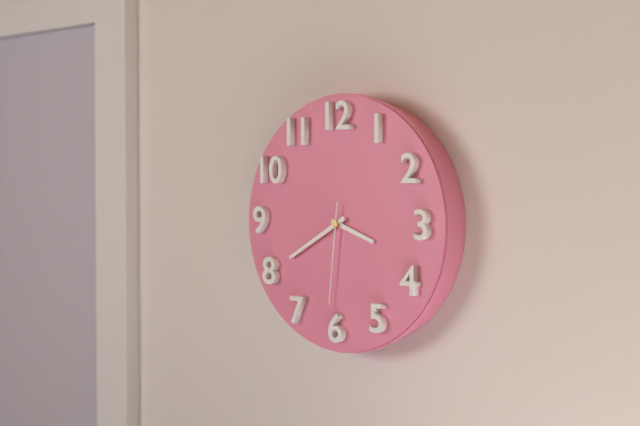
3 h 40 min 31 s
